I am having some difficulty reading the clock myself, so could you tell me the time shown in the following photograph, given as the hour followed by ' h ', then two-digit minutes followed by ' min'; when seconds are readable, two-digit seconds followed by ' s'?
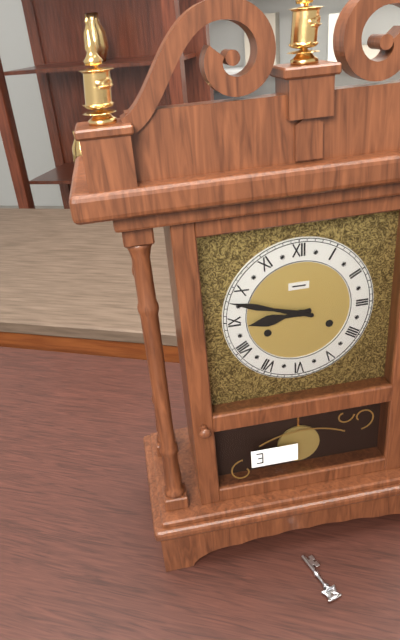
8 h 48 min
